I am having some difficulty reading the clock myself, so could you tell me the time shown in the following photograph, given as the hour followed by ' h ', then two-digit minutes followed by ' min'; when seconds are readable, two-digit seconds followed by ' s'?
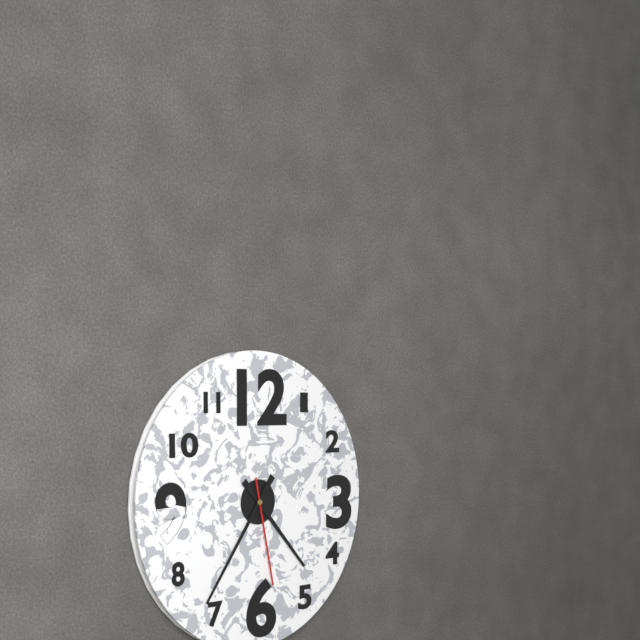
4 h 36 min 28 s
